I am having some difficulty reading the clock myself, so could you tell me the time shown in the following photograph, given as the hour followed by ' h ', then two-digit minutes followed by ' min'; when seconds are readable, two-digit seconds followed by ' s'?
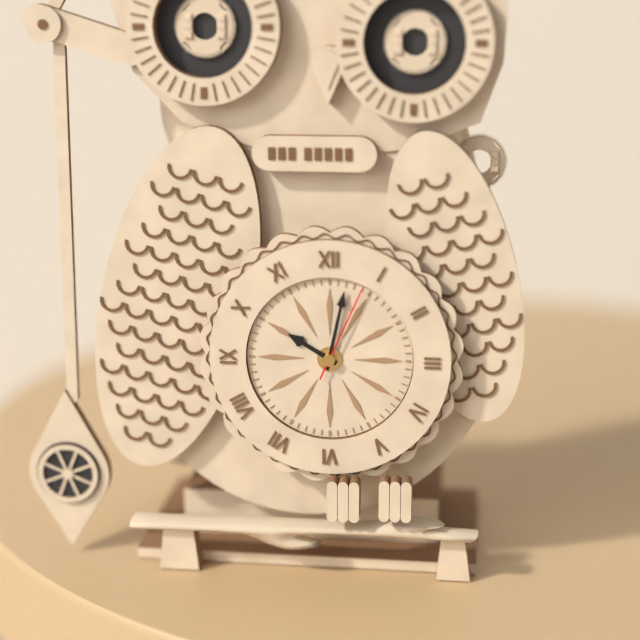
10 h 02 min 04 s
